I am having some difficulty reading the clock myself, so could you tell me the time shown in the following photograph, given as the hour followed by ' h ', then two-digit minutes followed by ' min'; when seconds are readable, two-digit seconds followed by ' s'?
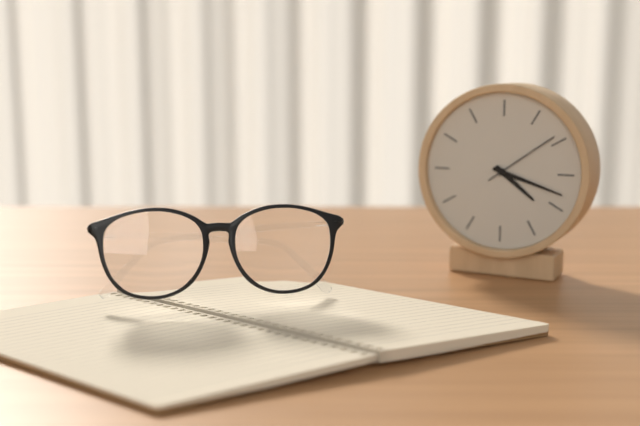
4 h 18 min 09 s
